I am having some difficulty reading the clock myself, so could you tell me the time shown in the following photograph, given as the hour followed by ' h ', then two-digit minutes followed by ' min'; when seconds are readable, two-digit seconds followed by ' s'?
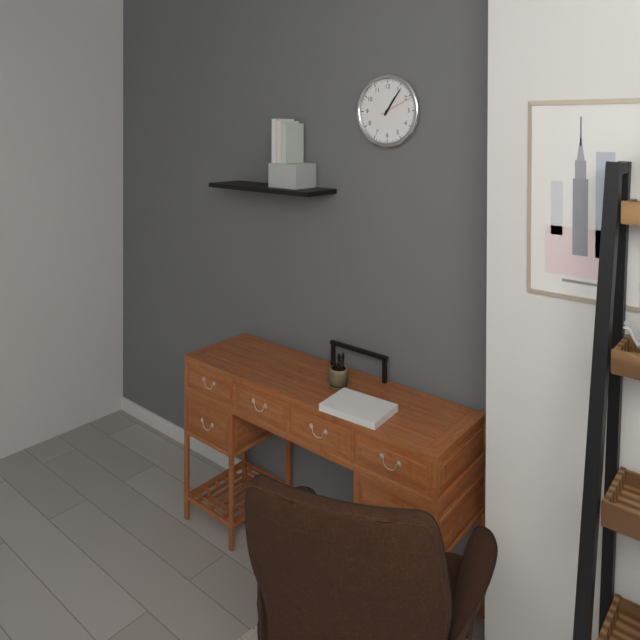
1 h 06 min
